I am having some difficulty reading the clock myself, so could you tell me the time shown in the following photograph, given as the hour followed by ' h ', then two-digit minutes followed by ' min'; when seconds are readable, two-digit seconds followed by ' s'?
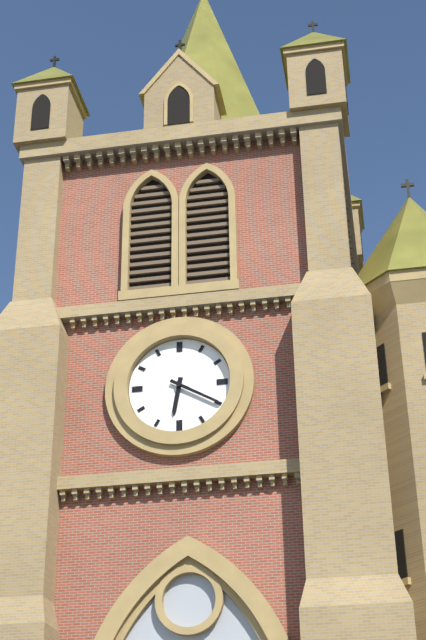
6 h 20 min
